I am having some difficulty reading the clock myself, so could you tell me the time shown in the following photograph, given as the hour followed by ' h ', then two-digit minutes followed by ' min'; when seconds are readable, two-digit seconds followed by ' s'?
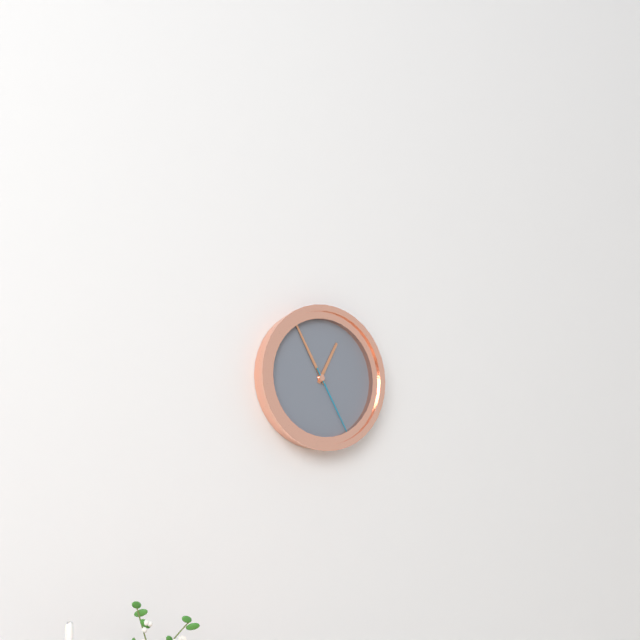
12 h 55 min 25 s
